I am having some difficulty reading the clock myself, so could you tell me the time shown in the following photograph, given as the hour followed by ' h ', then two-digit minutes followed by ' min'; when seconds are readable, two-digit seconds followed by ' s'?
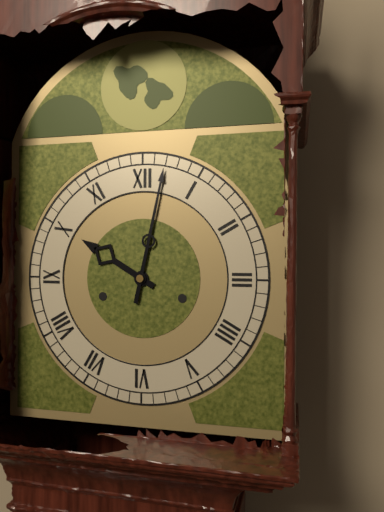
10 h 02 min
